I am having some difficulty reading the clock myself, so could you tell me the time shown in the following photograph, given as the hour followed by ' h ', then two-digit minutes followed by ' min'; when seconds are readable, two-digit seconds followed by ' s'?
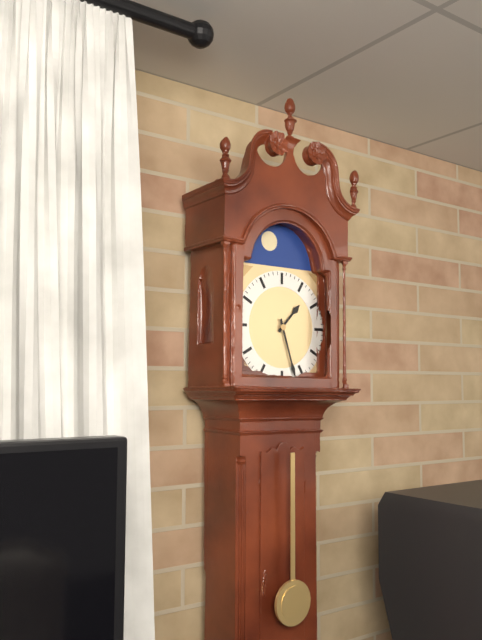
1 h 27 min
